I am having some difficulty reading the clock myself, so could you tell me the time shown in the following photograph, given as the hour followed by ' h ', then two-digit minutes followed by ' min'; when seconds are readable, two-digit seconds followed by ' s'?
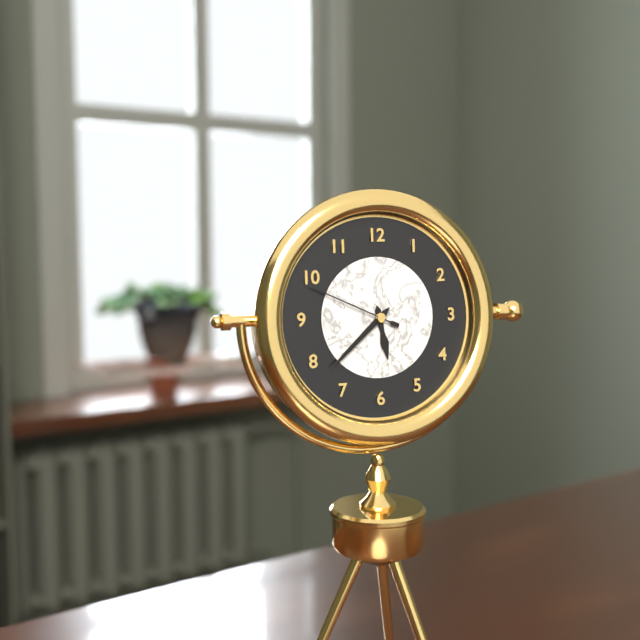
5 h 38 min 49 s
